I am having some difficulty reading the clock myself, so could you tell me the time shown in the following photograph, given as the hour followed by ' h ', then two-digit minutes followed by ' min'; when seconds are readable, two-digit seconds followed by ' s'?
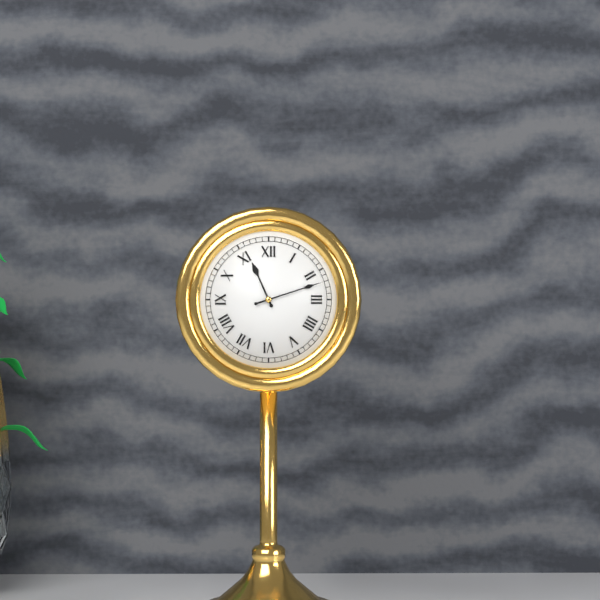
11 h 12 min
